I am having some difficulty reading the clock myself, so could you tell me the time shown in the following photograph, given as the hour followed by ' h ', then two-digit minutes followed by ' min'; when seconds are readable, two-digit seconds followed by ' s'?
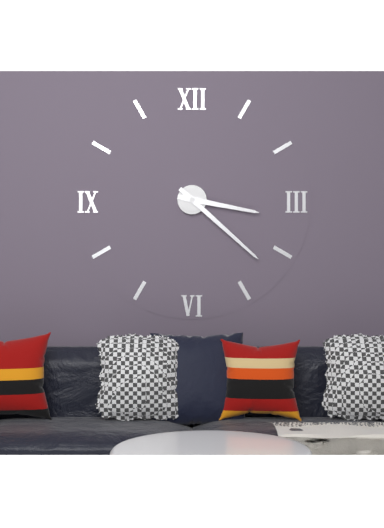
3 h 22 min
